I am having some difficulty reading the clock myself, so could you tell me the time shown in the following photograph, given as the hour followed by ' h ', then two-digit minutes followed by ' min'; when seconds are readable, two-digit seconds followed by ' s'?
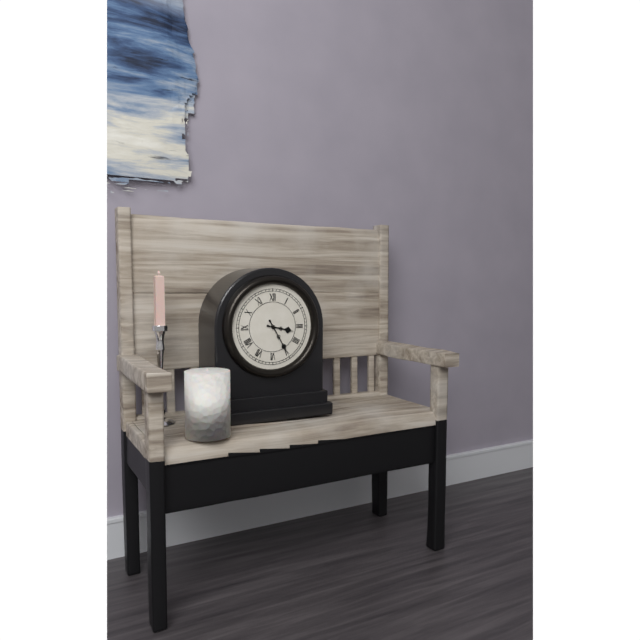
3 h 25 min
